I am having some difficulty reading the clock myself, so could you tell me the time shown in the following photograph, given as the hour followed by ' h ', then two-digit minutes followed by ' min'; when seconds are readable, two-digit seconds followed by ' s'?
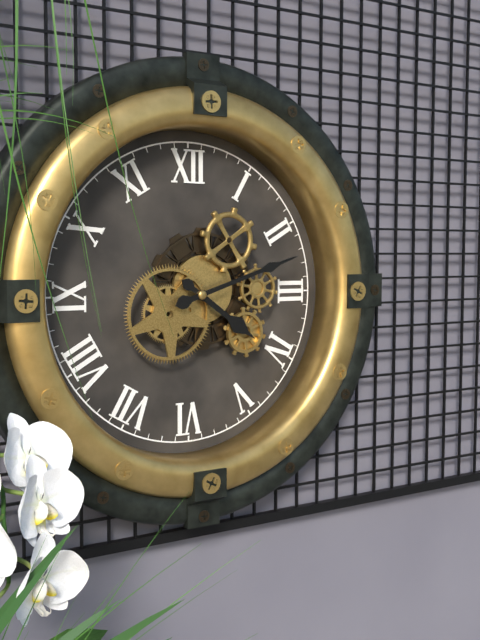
4 h 12 min
